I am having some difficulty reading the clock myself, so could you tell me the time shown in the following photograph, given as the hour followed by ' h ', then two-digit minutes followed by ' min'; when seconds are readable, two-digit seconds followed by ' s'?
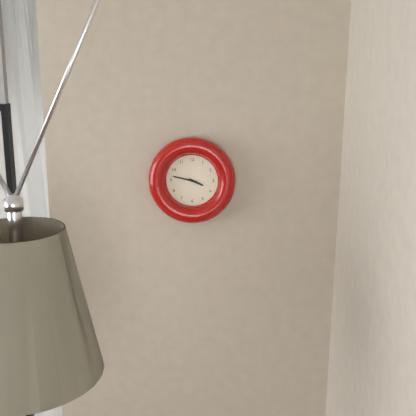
3 h 47 min
